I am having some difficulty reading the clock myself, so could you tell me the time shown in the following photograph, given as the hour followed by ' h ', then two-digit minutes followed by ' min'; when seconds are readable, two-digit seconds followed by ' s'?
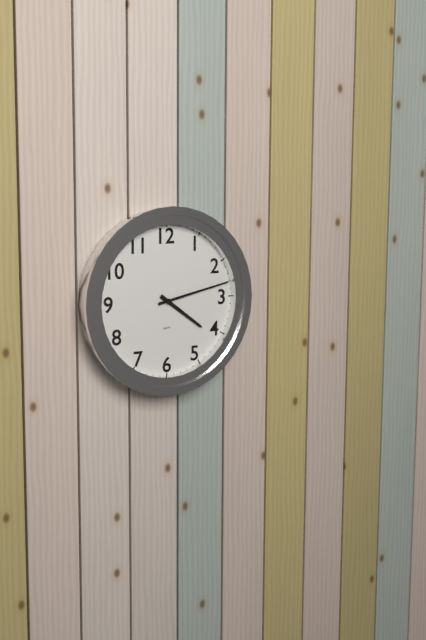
4 h 13 min
